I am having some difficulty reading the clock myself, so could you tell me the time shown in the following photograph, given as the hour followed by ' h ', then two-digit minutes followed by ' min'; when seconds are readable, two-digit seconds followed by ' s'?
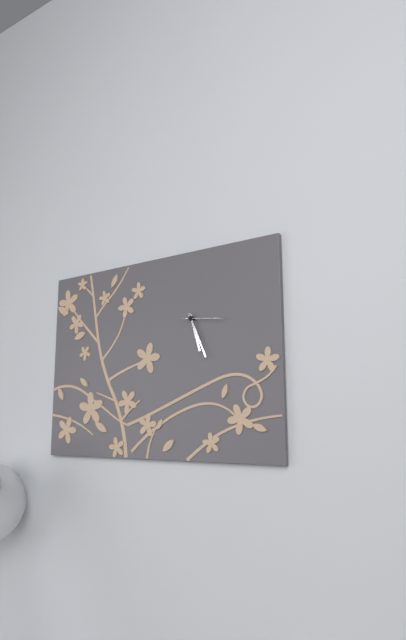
5 h 26 min
